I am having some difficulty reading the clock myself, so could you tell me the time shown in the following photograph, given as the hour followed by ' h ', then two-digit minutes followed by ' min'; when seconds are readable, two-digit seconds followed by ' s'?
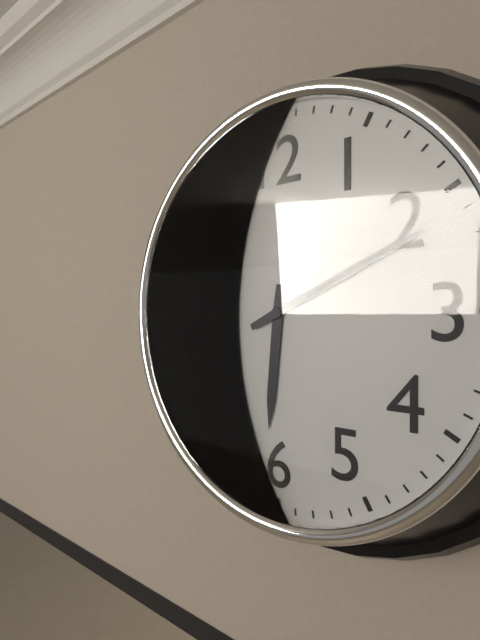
6 h 11 min
